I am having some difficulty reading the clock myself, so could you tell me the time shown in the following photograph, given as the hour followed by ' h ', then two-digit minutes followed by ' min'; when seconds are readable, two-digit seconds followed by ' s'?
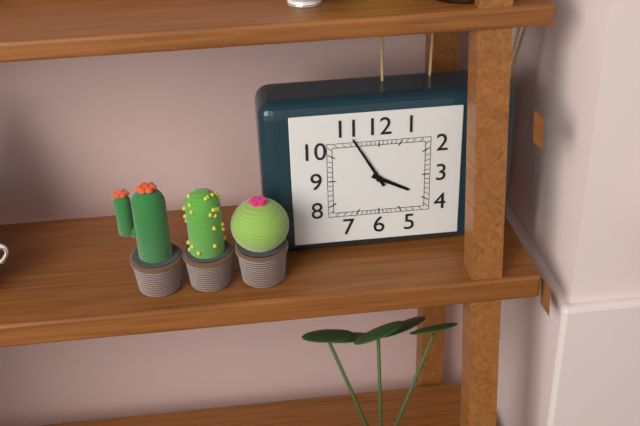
3 h 55 min
